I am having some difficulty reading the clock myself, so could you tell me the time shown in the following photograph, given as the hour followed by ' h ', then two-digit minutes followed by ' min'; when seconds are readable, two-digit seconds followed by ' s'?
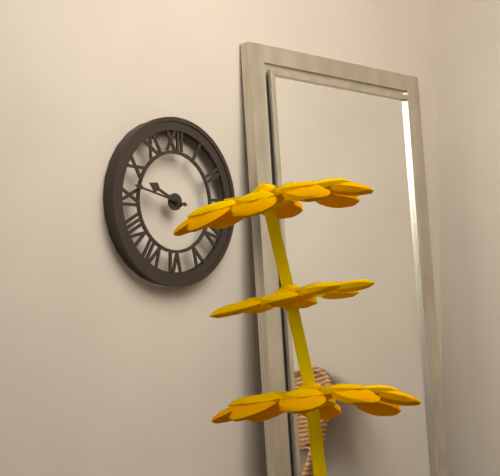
9 h 47 min
